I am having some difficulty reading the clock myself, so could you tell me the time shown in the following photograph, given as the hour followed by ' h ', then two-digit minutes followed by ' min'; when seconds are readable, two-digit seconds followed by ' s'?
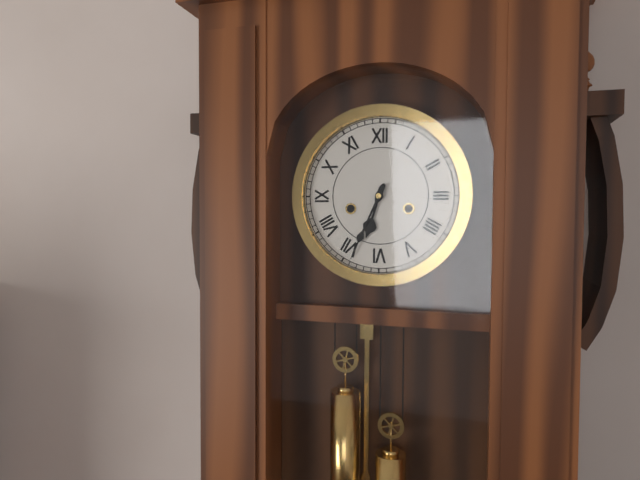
6 h 34 min
